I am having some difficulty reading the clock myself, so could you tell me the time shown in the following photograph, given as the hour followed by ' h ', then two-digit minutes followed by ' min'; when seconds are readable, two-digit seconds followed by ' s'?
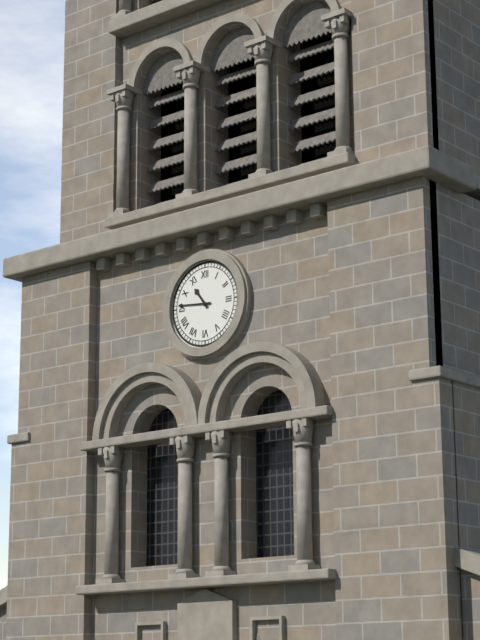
10 h 46 min
